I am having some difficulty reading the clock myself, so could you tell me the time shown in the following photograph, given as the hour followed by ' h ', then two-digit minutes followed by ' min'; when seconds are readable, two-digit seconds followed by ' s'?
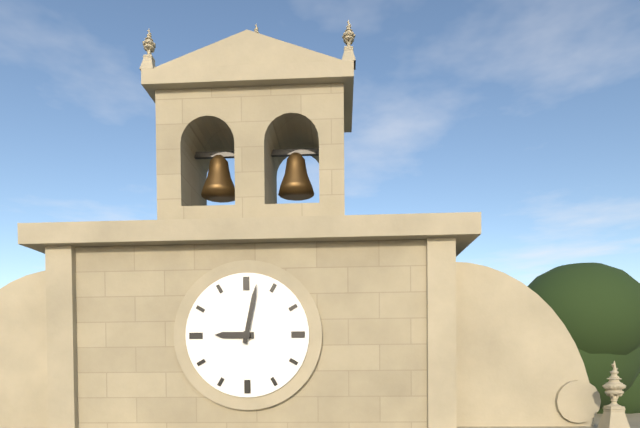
9 h 02 min
